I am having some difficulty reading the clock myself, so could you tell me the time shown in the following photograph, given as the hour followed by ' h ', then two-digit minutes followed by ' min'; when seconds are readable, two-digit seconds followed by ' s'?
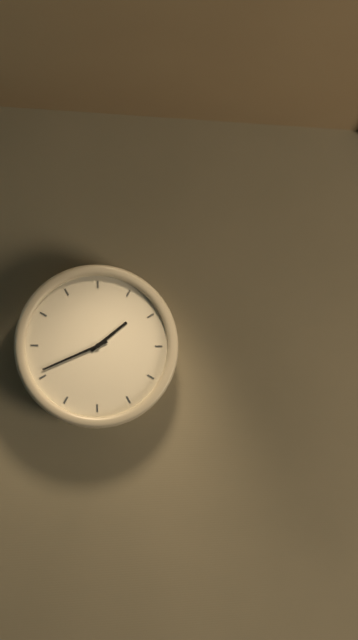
1 h 41 min
